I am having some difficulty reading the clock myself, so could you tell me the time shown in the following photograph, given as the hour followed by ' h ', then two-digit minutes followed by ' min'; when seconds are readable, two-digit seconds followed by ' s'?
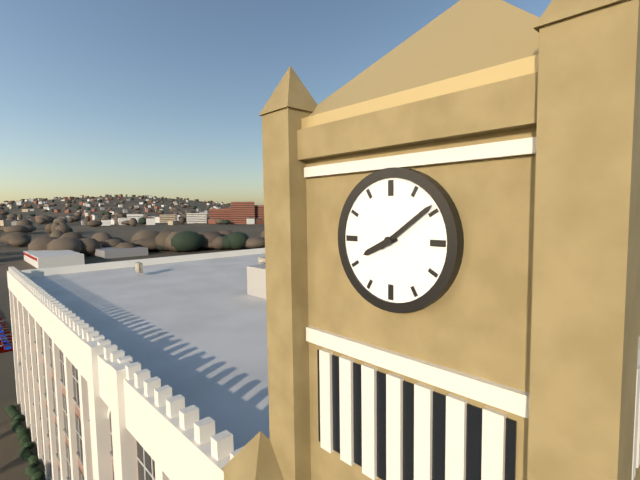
8 h 09 min
